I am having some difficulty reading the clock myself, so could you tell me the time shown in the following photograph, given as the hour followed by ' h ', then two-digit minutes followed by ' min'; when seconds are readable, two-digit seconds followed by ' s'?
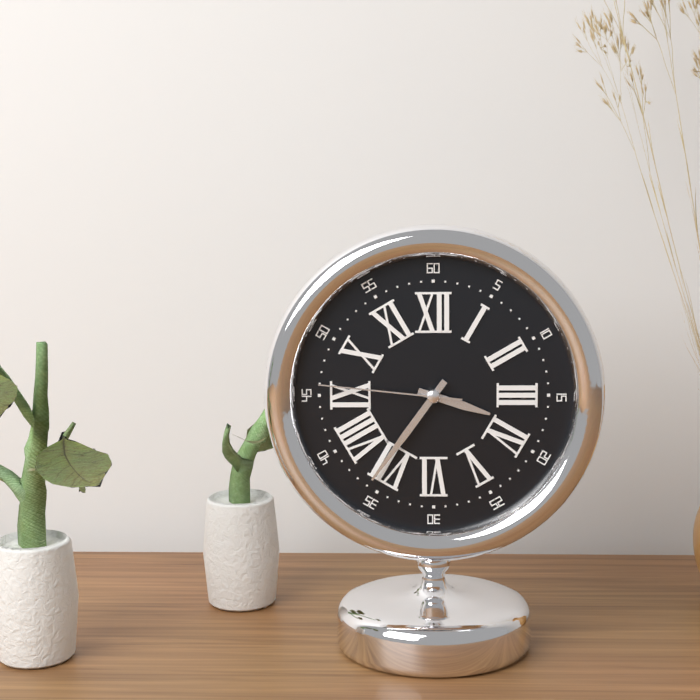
3 h 36 min 46 s
